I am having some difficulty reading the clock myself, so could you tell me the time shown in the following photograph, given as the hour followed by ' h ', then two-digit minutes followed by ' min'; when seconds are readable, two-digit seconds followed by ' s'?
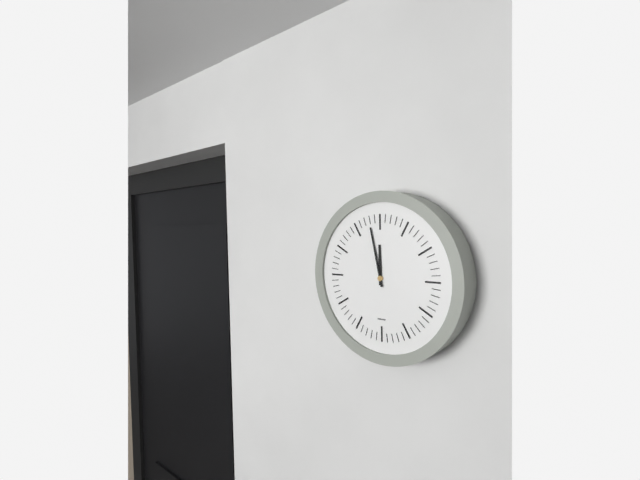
11 h 58 min
